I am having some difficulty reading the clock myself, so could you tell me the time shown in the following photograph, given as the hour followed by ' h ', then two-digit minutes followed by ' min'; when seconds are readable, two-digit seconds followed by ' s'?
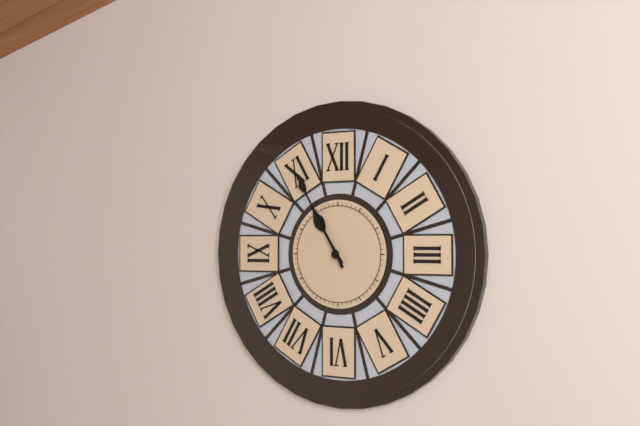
10 h 55 min
